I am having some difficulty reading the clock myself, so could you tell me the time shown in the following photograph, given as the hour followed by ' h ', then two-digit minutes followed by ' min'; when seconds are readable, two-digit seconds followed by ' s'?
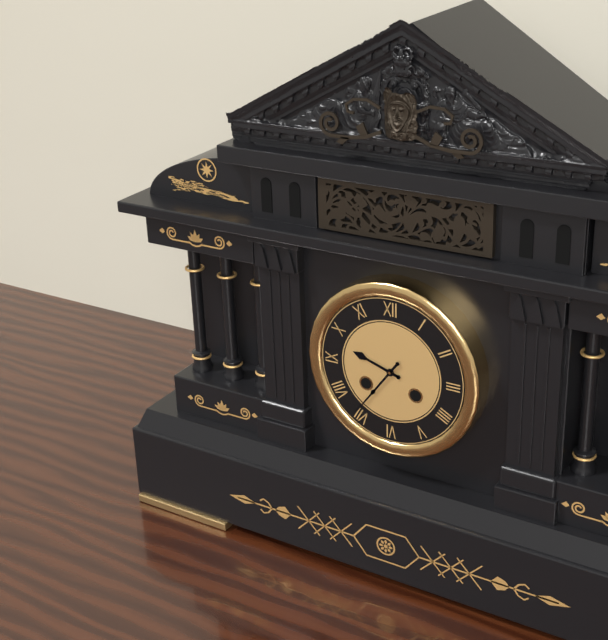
9 h 36 min
